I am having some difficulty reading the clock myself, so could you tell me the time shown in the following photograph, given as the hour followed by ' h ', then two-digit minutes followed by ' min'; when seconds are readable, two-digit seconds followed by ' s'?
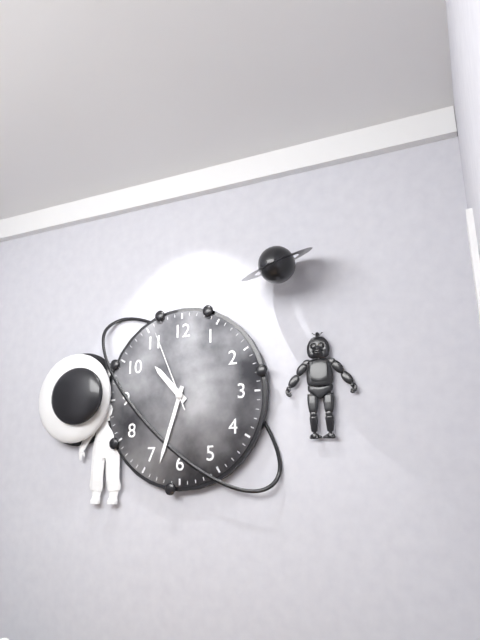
10 h 33 min 56 s
